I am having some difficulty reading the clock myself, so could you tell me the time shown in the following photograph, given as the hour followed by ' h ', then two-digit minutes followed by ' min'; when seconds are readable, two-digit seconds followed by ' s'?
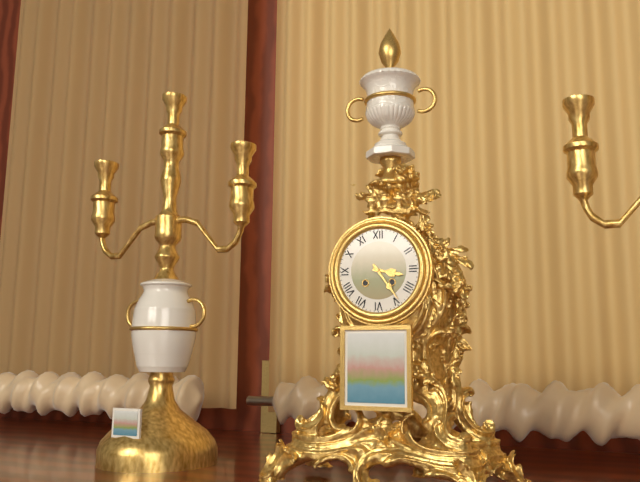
3 h 24 min
